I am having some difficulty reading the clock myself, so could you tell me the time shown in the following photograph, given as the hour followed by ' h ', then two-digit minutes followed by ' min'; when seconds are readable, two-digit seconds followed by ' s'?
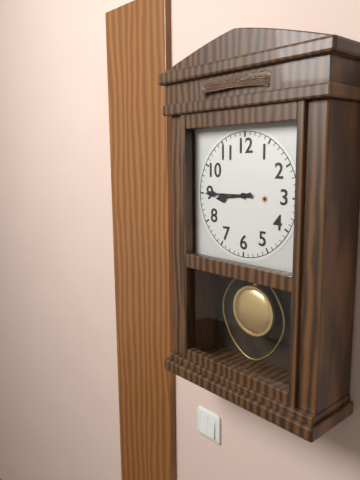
8 h 45 min
